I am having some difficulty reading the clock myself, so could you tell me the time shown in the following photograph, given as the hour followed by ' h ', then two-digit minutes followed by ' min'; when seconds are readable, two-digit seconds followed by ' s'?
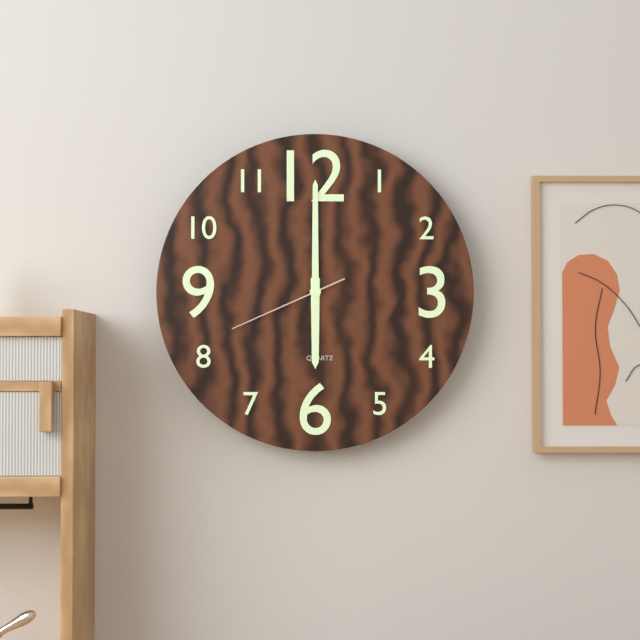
6 h 00 min 41 s
